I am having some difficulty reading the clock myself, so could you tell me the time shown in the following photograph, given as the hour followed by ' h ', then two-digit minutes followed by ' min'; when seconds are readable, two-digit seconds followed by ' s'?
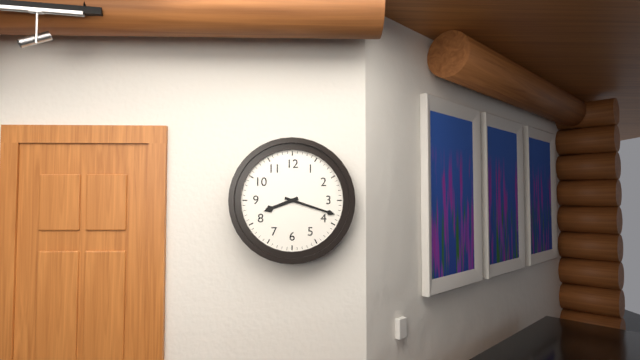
8 h 18 min
